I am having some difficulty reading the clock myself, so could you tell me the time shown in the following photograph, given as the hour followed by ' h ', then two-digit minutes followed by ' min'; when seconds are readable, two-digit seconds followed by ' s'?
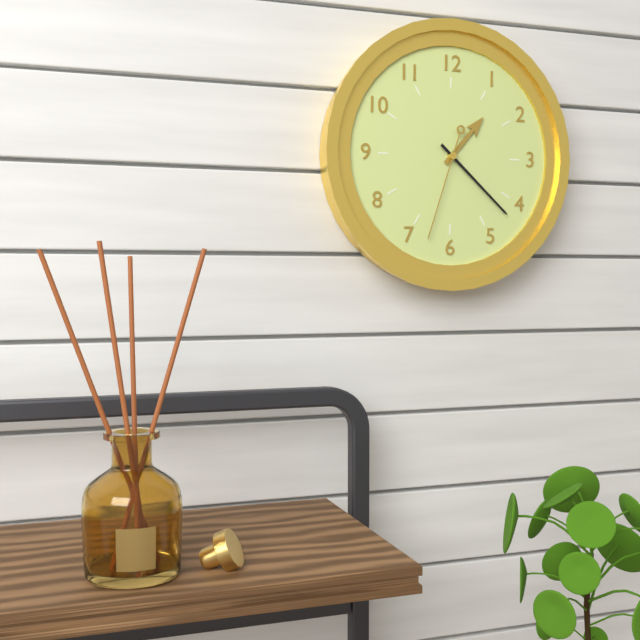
1 h 22 min 33 s
